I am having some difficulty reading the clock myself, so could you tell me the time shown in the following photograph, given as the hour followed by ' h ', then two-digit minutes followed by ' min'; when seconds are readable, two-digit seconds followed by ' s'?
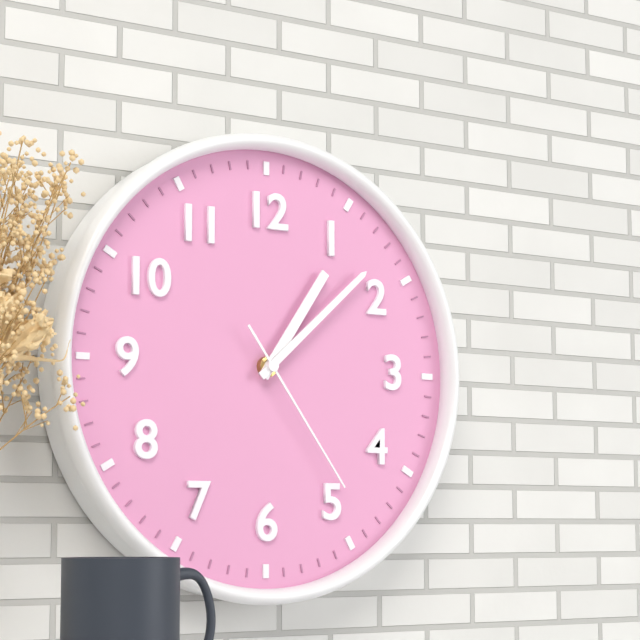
1 h 08 min 24 s
